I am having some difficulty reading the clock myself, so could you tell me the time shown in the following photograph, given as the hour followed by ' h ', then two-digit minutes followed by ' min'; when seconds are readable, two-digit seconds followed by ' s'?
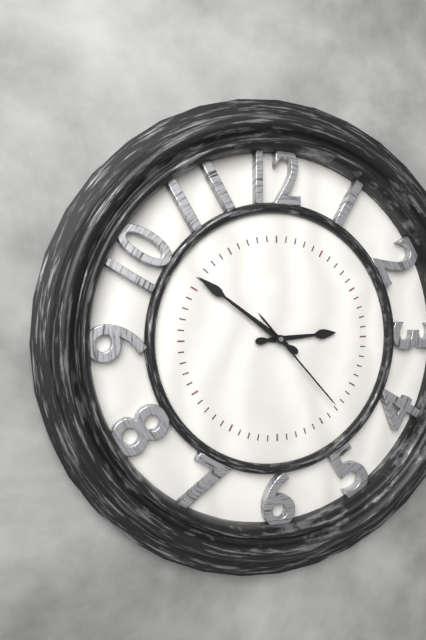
2 h 51 min 23 s
